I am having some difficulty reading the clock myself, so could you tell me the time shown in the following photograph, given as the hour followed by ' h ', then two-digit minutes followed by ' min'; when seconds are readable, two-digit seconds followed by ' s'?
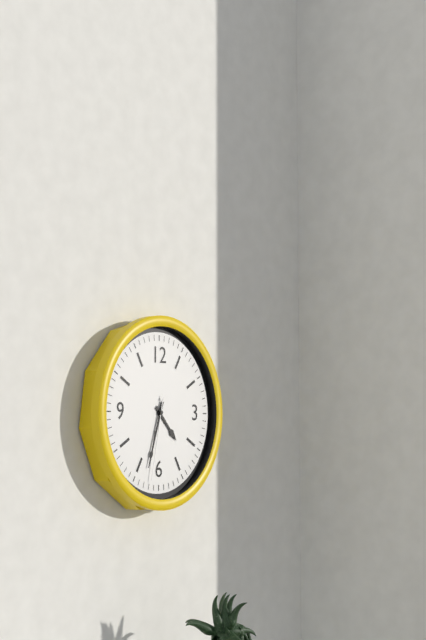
4 h 33 min 32 s
